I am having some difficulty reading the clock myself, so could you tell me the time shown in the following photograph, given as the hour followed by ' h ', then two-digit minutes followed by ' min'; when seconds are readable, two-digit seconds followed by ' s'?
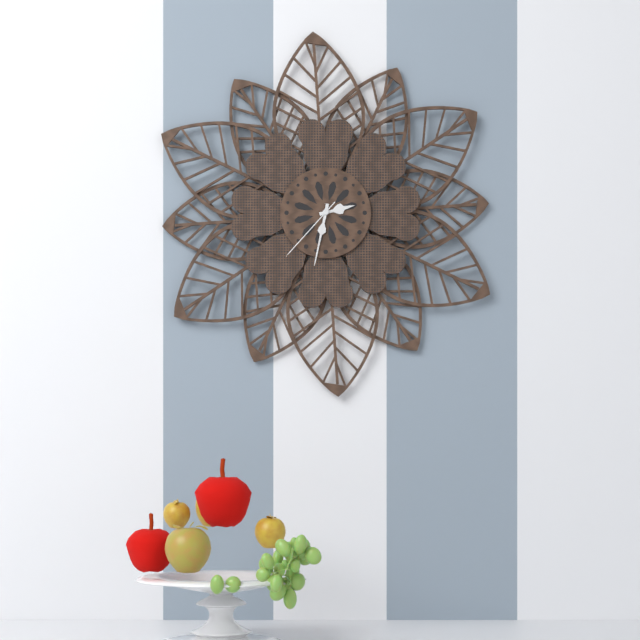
2 h 32 min 37 s
